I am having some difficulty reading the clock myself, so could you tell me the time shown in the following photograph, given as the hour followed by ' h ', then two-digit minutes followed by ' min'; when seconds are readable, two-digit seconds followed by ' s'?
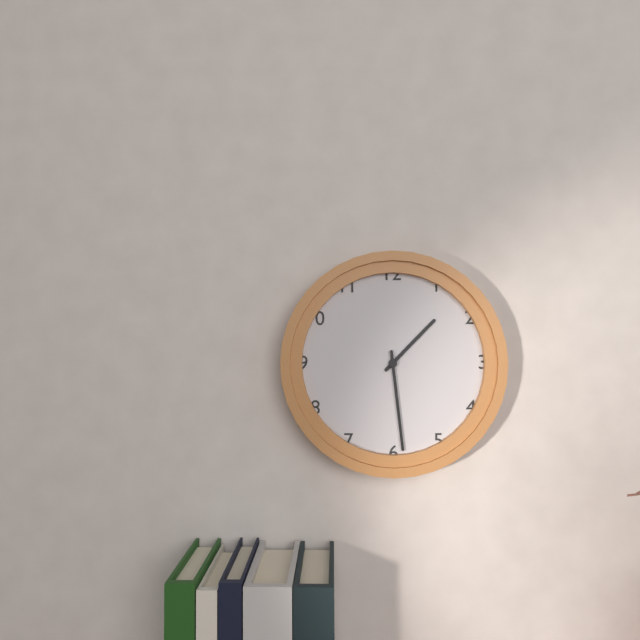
1 h 29 min
